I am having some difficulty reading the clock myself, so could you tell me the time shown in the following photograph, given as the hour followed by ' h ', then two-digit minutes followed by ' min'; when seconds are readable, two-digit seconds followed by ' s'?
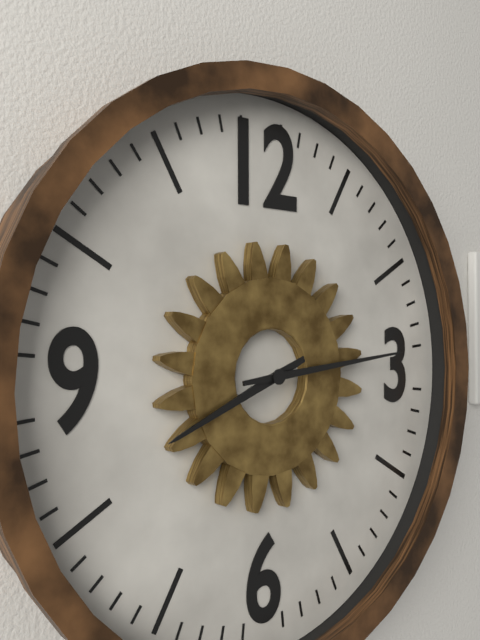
8 h 14 min
